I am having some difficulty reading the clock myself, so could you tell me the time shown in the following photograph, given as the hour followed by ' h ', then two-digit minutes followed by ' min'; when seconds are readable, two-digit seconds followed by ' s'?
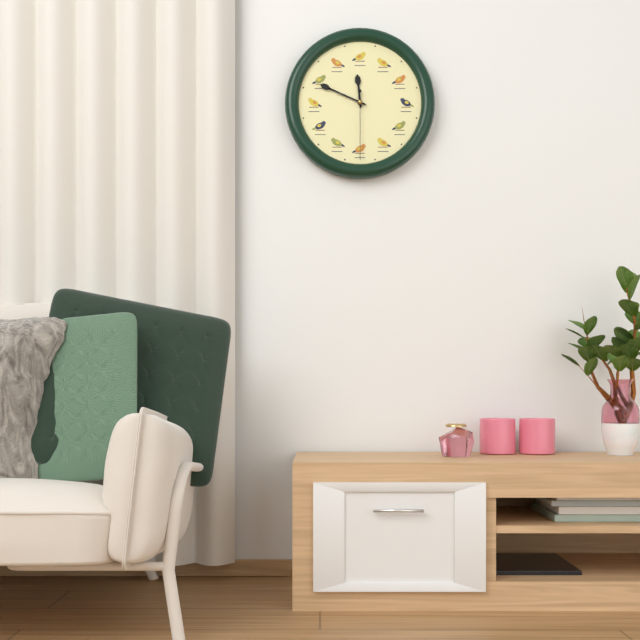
11 h 49 min 30 s
